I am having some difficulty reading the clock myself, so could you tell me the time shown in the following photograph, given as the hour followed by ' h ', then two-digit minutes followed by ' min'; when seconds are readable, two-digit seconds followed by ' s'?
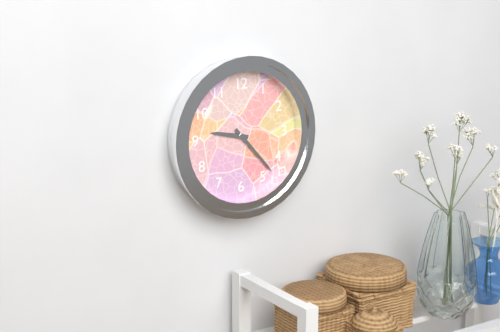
9 h 23 min
